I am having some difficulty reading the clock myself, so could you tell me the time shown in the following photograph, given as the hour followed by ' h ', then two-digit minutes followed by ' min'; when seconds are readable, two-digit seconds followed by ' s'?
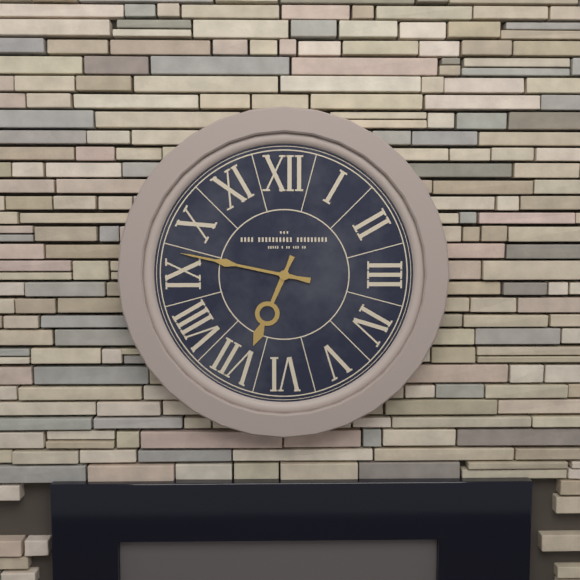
6 h 47 min
